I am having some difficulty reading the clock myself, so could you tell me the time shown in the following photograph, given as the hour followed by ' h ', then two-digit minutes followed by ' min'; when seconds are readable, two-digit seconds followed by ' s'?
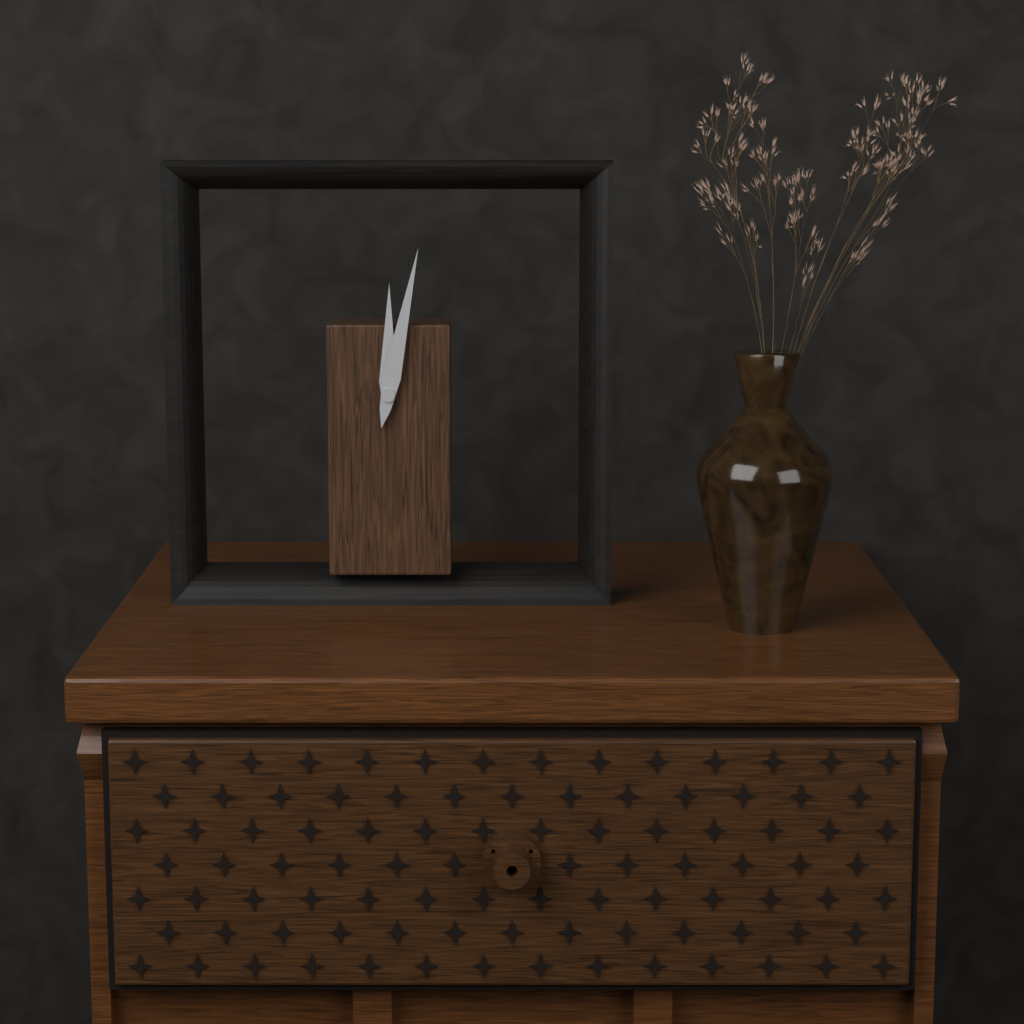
12 h 02 min
